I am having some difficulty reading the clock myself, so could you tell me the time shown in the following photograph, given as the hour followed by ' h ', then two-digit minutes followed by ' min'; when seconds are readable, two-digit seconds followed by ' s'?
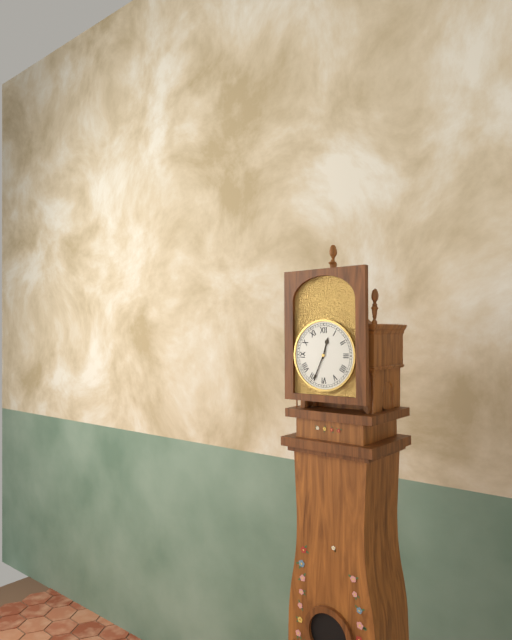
12 h 34 min
